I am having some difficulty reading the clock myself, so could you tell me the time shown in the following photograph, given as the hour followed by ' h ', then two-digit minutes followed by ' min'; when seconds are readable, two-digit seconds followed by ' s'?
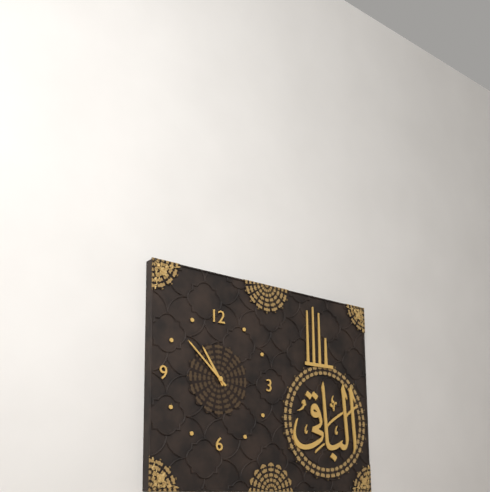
10 h 52 min
